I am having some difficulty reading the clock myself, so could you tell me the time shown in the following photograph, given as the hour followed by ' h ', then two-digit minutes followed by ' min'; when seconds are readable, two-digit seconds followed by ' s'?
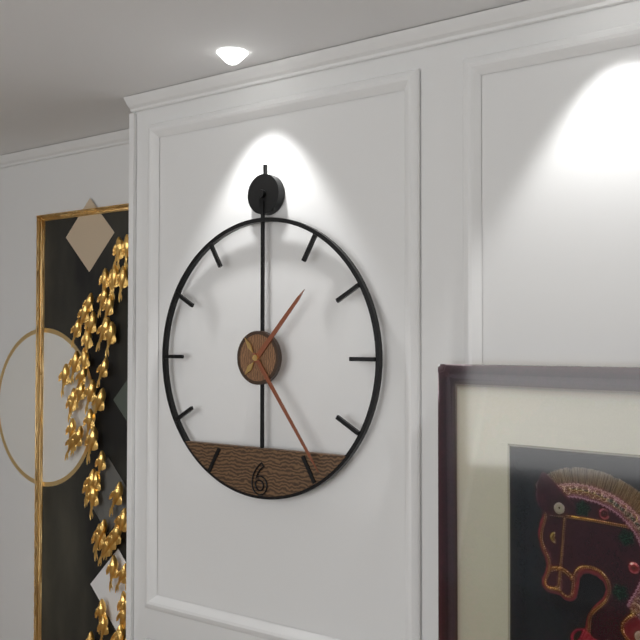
1 h 24 min
